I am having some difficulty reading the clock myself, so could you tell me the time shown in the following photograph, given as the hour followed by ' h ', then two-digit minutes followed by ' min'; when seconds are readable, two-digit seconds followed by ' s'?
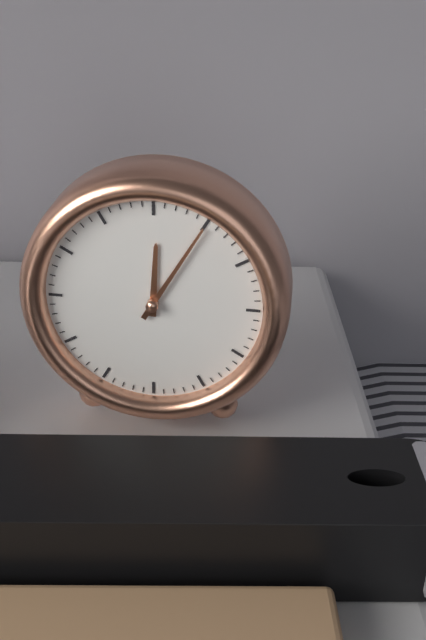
12 h 05 min
